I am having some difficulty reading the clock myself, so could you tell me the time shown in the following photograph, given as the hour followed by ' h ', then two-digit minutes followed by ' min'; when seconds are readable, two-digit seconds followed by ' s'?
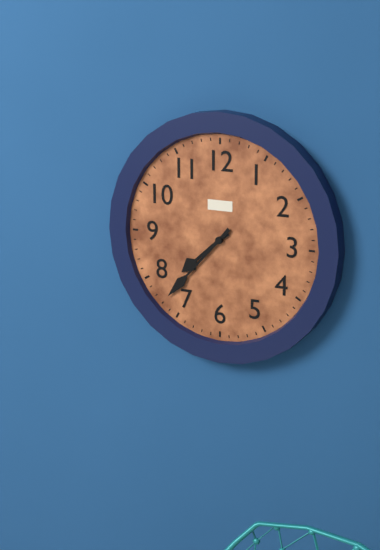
7 h 37 min
